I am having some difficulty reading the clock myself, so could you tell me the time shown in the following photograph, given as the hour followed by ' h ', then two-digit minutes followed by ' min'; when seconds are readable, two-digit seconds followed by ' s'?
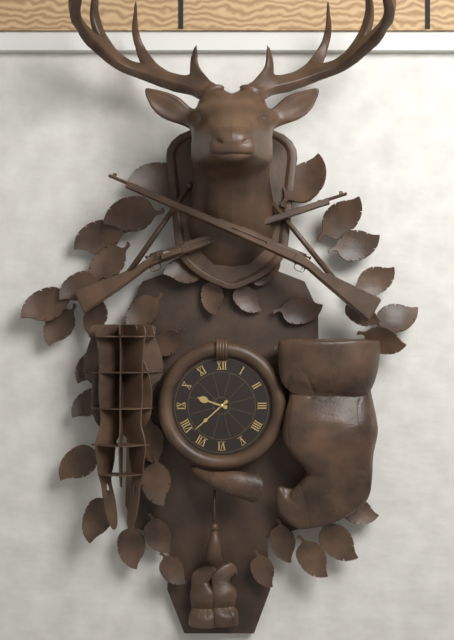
9 h 38 min
